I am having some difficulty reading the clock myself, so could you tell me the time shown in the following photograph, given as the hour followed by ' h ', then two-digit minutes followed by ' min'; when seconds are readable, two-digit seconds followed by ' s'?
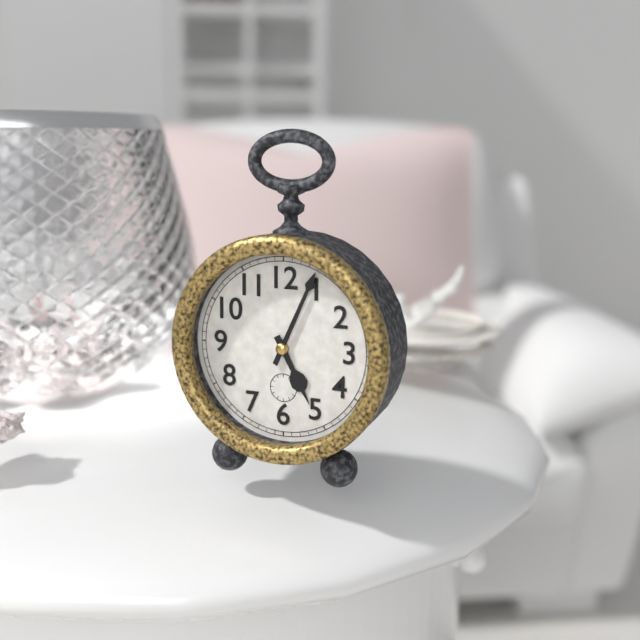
5 h 04 min
